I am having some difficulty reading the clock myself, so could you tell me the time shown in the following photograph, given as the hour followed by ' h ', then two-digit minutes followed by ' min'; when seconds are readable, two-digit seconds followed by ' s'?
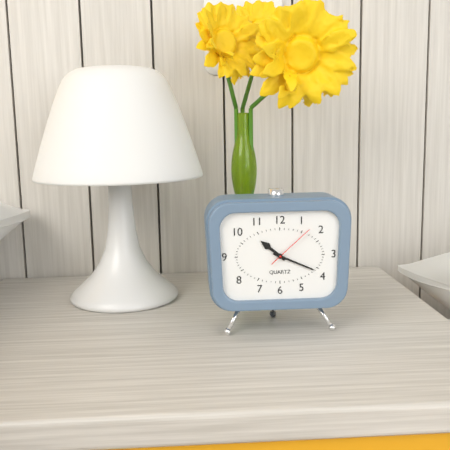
10 h 19 min
